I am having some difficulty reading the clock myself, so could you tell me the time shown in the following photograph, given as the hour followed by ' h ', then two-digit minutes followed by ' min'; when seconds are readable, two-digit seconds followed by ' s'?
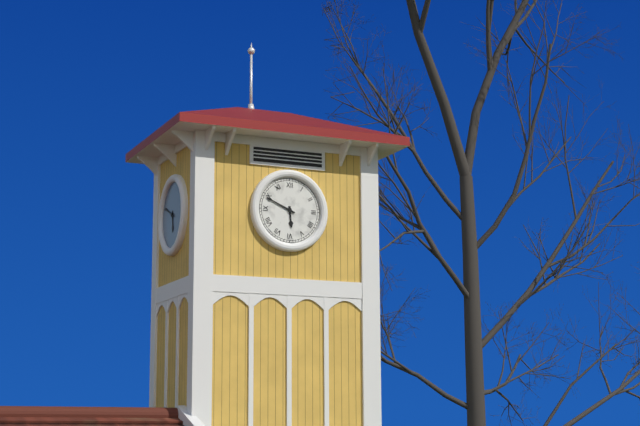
5 h 49 min
